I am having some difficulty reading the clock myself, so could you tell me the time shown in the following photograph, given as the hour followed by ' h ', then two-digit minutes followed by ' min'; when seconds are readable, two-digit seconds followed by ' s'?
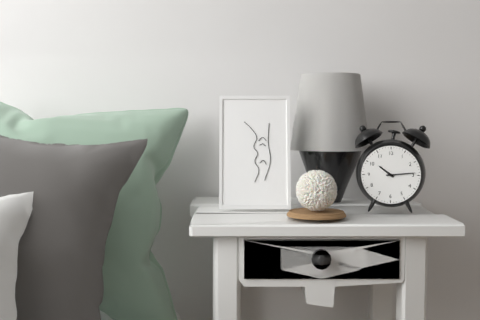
10 h 14 min
